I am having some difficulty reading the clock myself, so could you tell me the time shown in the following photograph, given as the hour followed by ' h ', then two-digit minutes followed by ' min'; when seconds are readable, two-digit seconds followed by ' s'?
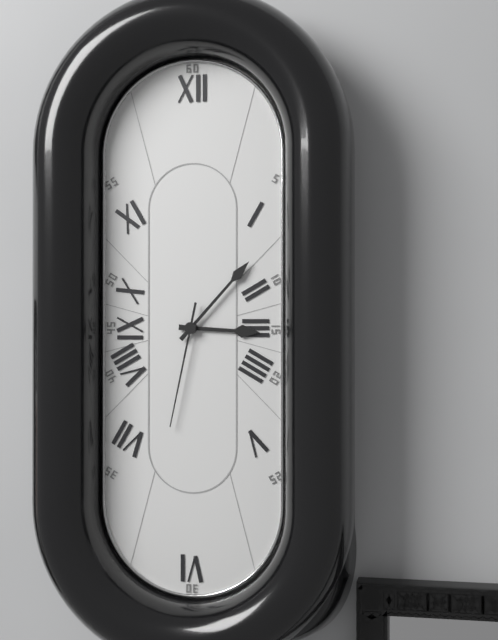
3 h 07 min 32 s
